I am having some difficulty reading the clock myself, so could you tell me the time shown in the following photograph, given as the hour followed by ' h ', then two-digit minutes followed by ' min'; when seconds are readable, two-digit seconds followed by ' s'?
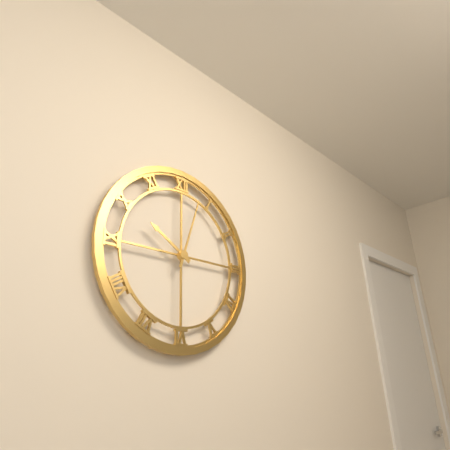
10 h 03 min
